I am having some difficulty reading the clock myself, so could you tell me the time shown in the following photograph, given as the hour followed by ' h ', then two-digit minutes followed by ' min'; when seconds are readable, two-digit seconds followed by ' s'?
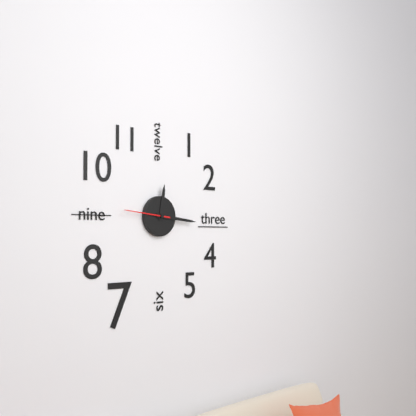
12 h 16 min
